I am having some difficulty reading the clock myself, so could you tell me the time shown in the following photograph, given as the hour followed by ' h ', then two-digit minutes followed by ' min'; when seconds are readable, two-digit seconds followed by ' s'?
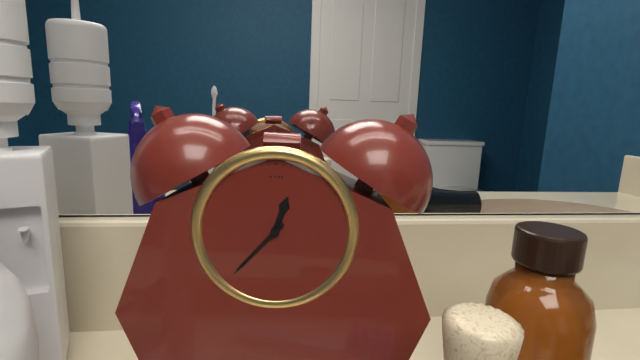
12 h 37 min
